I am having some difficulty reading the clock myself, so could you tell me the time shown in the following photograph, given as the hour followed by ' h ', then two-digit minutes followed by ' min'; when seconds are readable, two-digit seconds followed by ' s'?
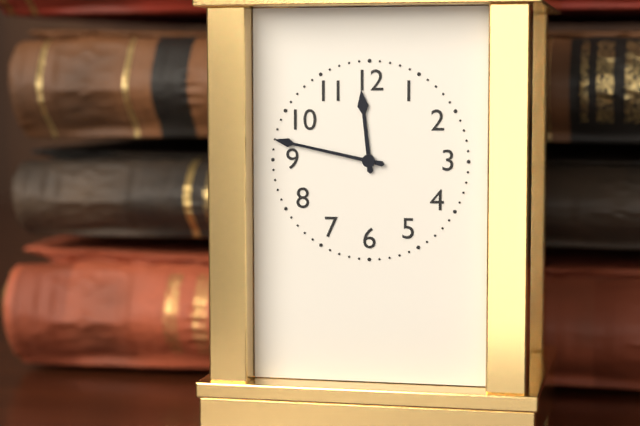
11 h 47 min
